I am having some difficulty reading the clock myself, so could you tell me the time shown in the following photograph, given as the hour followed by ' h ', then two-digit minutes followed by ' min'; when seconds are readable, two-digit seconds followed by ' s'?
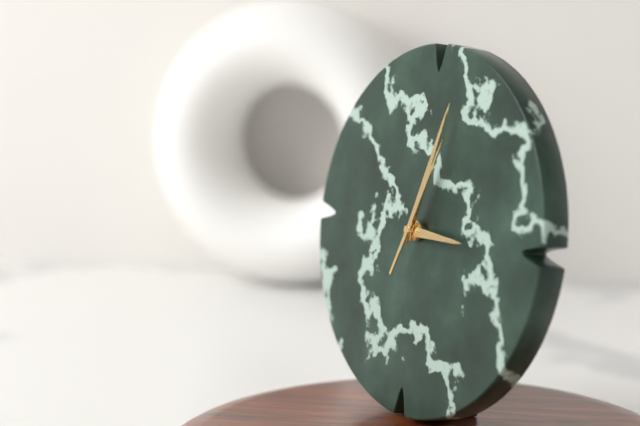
3 h 03 min 04 s
